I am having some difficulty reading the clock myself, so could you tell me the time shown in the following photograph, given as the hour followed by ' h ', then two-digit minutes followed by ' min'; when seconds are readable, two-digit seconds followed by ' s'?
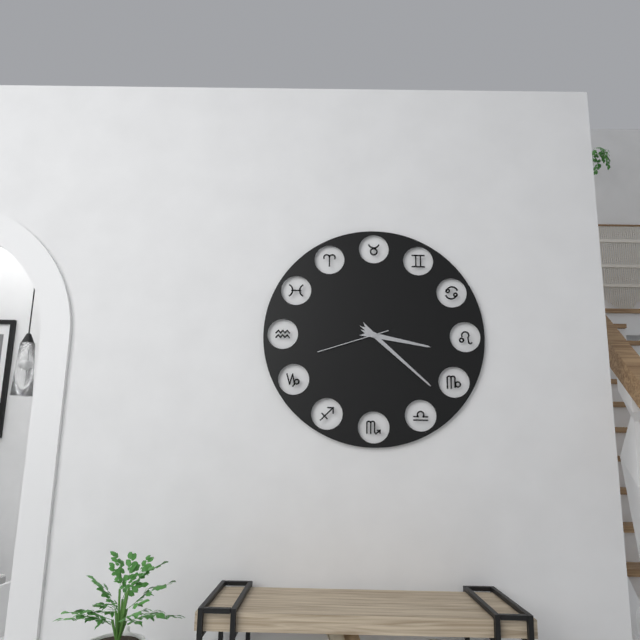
3 h 22 min 42 s
